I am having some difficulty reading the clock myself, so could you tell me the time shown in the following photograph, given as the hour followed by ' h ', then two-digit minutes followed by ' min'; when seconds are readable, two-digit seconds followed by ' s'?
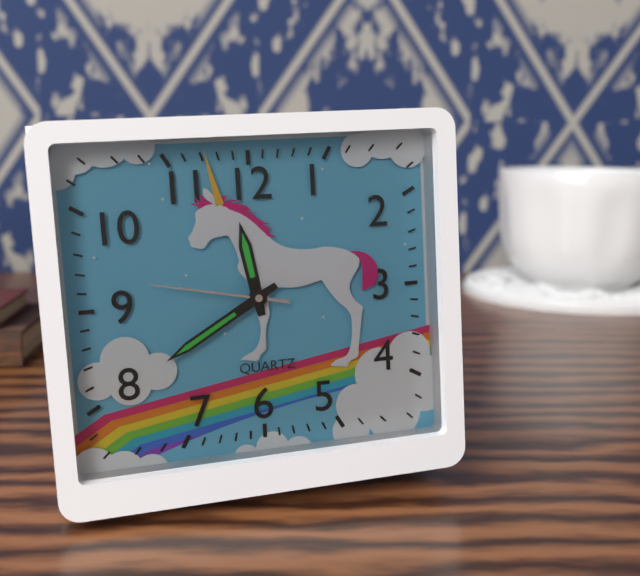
11 h 40 min 47 s
